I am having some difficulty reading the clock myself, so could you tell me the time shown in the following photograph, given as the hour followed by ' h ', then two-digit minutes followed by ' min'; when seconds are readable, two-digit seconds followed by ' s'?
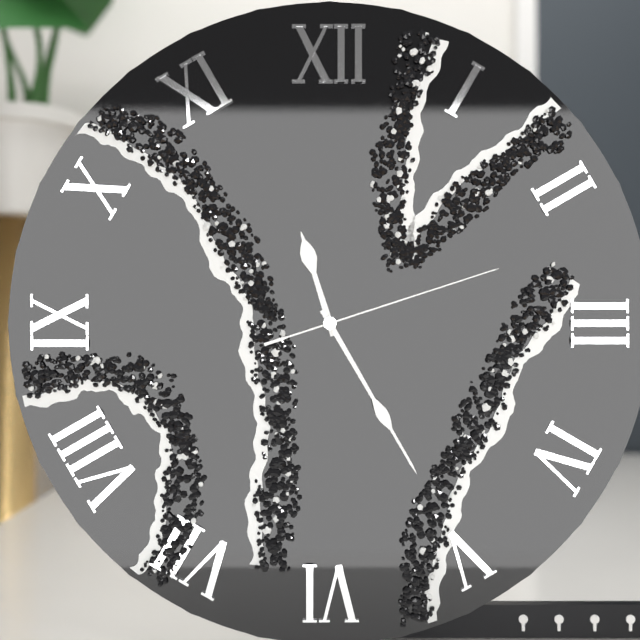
11 h 25 min 12 s
